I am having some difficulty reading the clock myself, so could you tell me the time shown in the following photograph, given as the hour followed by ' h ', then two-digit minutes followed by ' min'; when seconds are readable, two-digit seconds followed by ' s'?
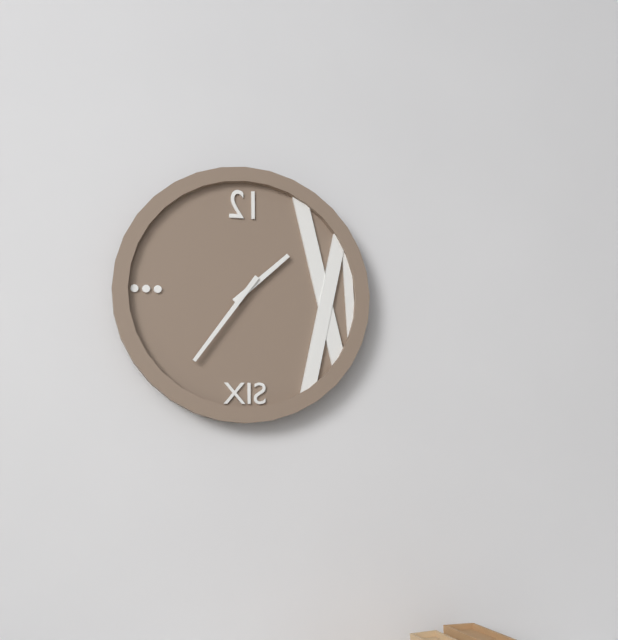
1 h 36 min
